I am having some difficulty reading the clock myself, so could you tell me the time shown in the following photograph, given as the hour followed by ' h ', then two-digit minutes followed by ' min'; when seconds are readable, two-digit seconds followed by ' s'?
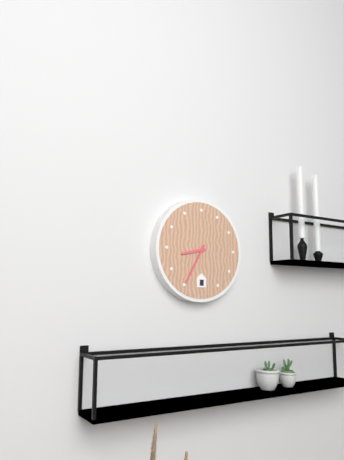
8 h 35 min
